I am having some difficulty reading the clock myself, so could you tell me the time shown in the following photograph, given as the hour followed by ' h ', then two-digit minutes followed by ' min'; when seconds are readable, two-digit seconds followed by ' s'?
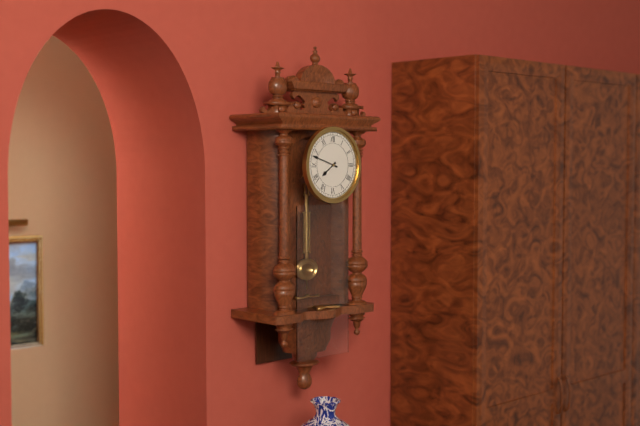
7 h 48 min
